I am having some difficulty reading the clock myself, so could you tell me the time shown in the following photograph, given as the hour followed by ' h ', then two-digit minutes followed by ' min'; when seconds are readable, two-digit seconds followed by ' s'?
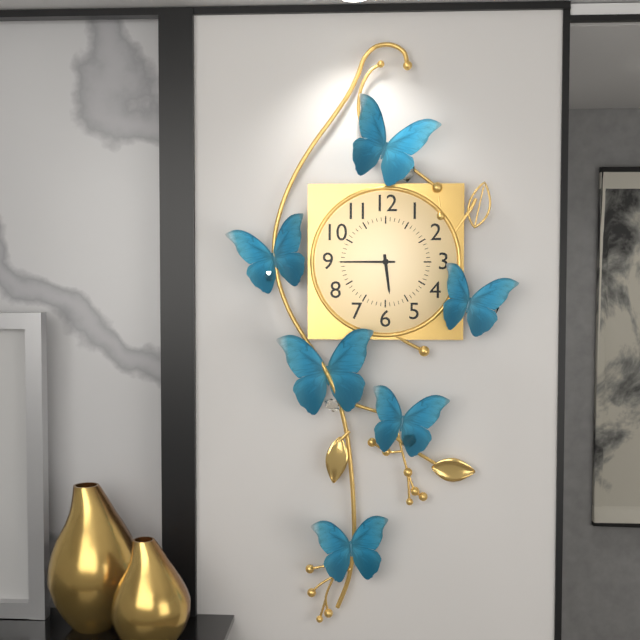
5 h 45 min
